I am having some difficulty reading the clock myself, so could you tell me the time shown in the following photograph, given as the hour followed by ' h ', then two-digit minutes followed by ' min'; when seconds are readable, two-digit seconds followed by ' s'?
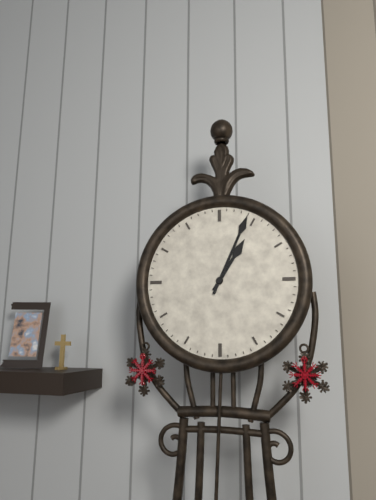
1 h 04 min
